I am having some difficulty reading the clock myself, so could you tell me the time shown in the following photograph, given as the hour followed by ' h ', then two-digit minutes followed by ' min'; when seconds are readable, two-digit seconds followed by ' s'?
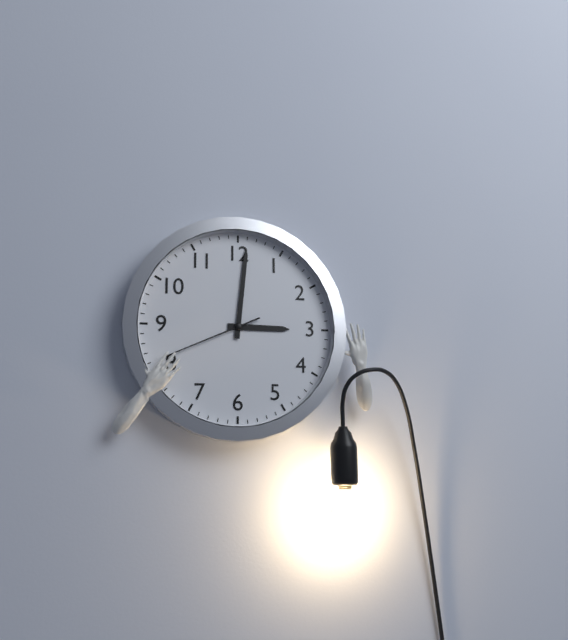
3 h 01 min 41 s
